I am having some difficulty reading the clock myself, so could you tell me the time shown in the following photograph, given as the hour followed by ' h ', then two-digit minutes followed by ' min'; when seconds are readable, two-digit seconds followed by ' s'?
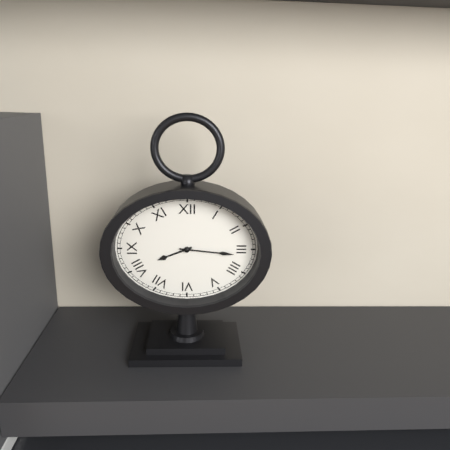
8 h 16 min
